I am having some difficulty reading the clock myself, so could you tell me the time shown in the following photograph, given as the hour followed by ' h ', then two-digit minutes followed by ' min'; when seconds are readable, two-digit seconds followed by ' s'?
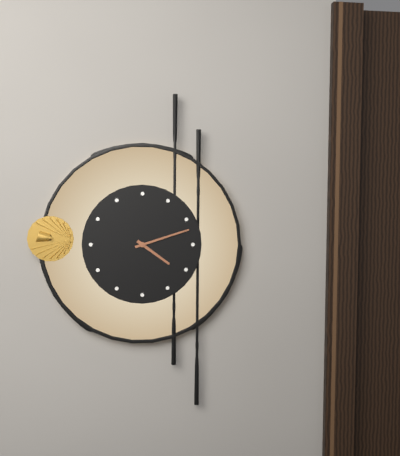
4 h 12 min
